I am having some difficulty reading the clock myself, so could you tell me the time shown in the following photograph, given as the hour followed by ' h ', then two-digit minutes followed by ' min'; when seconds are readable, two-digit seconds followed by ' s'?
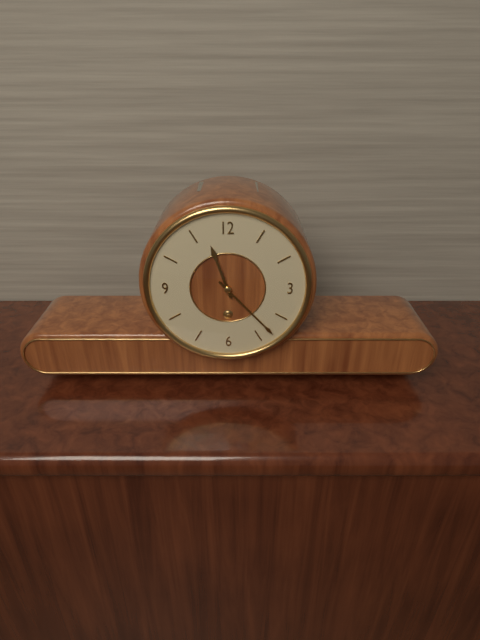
11 h 23 min
